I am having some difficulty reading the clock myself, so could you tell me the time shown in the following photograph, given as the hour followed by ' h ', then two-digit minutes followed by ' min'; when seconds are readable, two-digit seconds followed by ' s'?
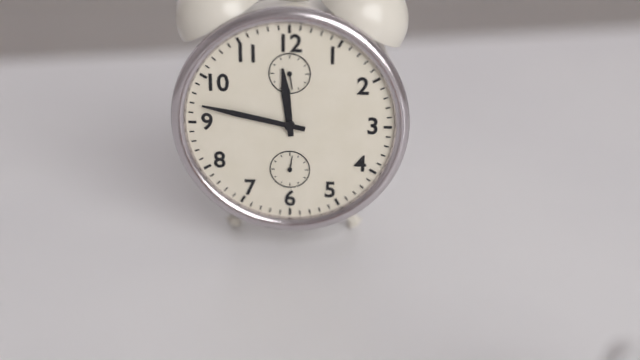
11 h 47 min
